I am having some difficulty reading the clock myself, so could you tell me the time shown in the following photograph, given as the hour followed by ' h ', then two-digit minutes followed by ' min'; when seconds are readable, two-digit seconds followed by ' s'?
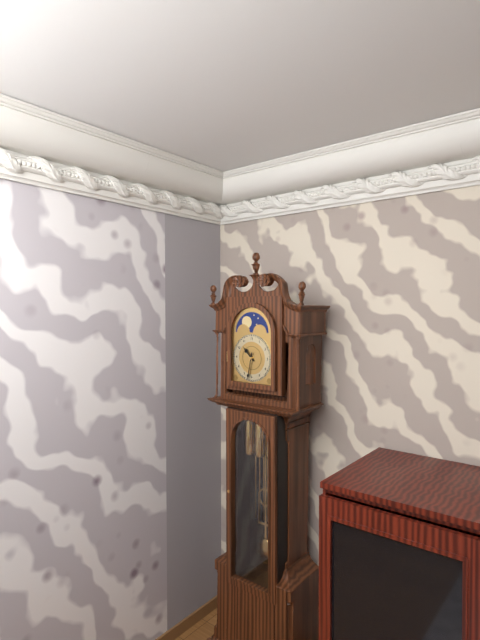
10 h 32 min
